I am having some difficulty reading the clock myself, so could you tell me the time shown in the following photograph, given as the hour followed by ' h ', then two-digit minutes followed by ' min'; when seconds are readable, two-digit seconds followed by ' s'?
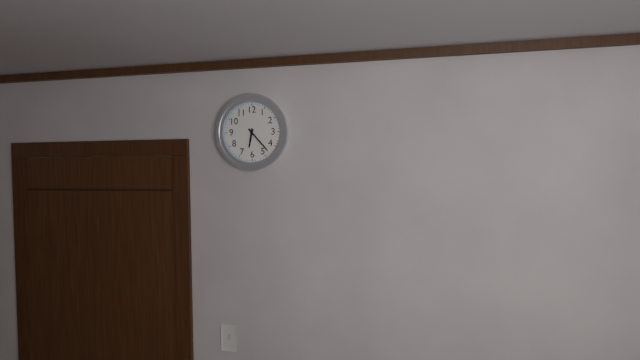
6 h 23 min
